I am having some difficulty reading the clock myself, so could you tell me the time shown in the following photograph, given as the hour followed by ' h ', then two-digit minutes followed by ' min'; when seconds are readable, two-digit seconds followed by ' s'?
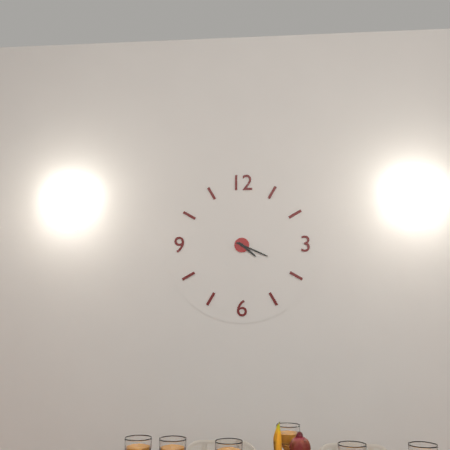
4 h 19 min
